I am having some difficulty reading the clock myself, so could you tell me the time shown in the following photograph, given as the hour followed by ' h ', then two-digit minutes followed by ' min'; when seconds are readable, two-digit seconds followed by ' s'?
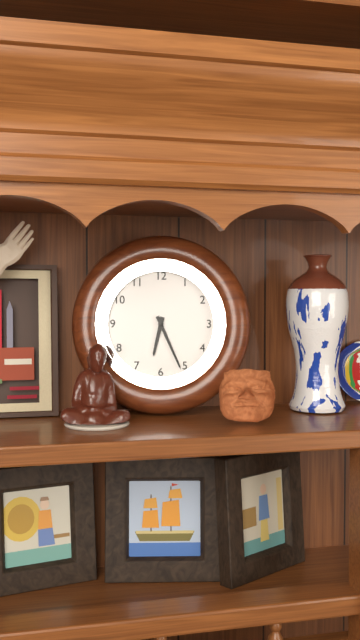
6 h 26 min
